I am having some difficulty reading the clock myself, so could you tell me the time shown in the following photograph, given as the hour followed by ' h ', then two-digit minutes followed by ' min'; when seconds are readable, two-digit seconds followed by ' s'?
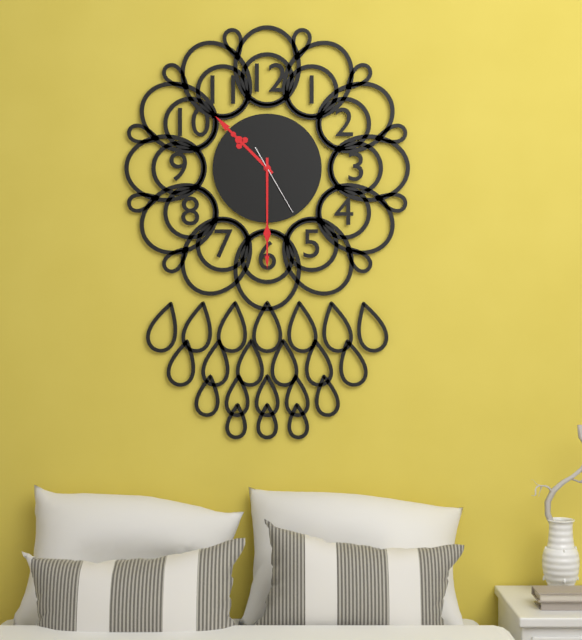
10 h 30 min 25 s
